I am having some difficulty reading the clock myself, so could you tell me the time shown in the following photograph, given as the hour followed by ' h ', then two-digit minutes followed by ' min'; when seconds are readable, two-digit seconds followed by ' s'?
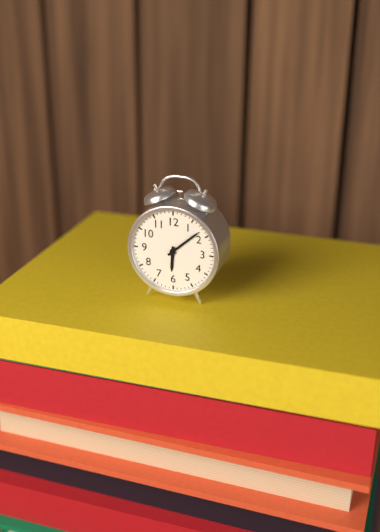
6 h 08 min
